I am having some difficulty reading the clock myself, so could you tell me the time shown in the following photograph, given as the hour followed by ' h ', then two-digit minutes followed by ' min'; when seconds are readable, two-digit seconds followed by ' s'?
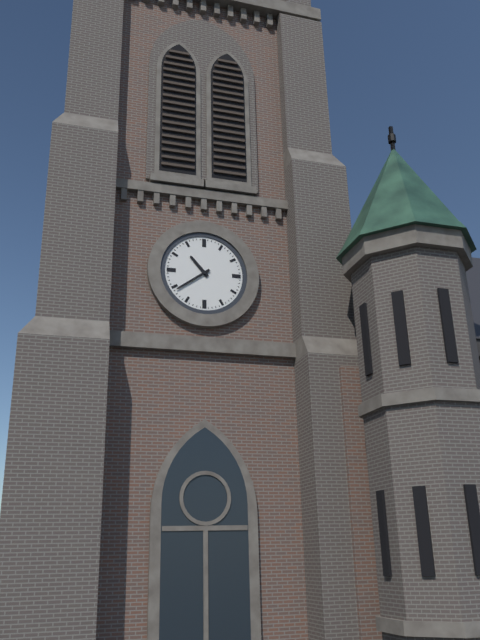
10 h 39 min
